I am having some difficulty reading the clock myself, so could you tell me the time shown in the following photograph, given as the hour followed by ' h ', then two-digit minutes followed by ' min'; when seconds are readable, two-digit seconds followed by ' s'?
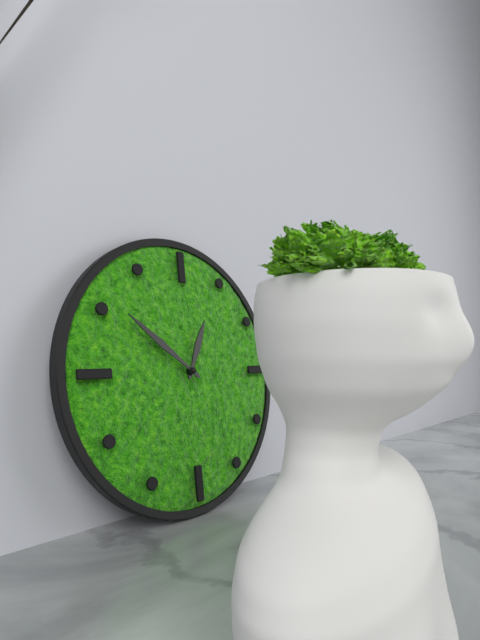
12 h 51 min
